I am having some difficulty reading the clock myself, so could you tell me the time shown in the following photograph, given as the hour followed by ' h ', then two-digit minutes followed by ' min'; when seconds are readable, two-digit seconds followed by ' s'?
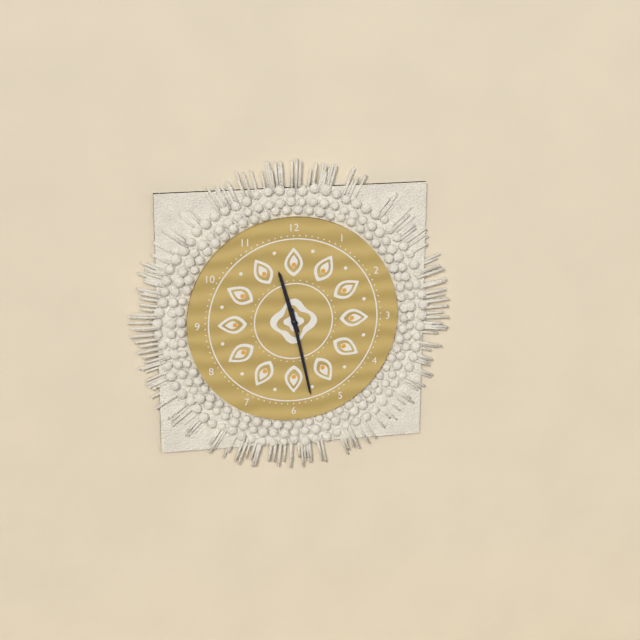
11 h 28 min
